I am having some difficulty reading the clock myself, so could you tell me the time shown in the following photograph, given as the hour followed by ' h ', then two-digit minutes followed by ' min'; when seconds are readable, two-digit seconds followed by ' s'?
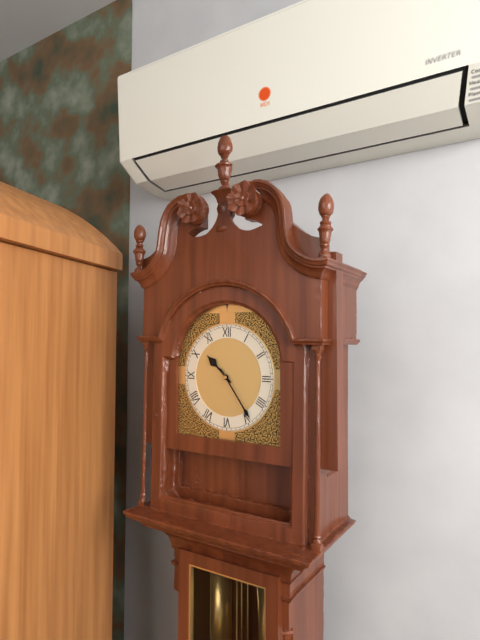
10 h 24 min
